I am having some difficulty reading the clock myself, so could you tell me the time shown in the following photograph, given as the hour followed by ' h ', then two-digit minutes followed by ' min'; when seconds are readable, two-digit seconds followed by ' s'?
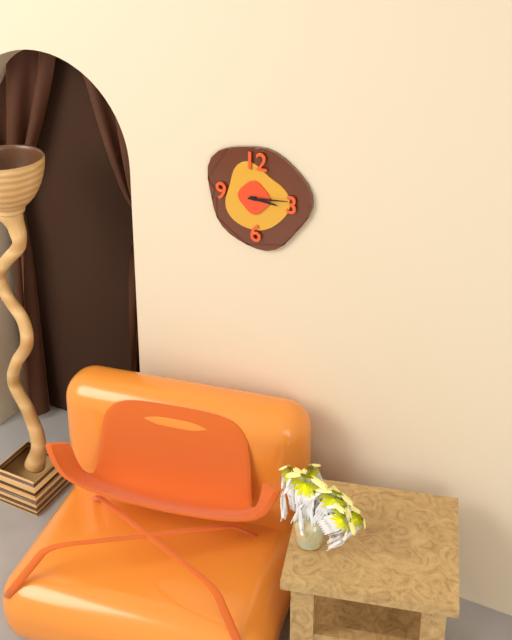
3 h 14 min
